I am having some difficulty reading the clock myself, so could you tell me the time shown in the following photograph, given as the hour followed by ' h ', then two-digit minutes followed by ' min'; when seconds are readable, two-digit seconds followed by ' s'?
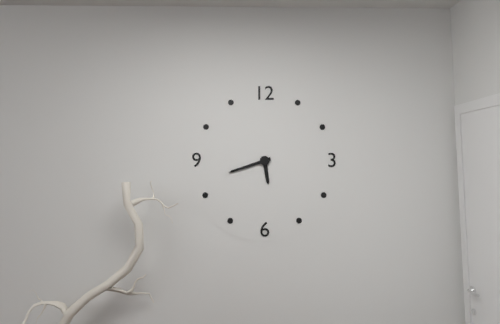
5 h 42 min
